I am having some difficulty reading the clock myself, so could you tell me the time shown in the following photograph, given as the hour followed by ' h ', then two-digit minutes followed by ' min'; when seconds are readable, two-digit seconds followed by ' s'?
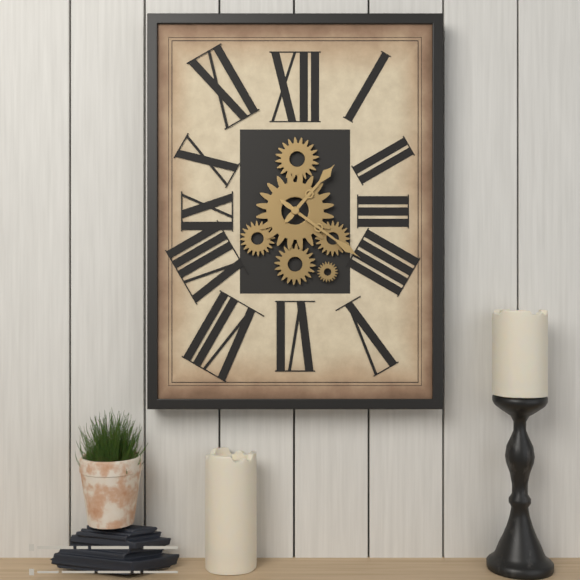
1 h 21 min
